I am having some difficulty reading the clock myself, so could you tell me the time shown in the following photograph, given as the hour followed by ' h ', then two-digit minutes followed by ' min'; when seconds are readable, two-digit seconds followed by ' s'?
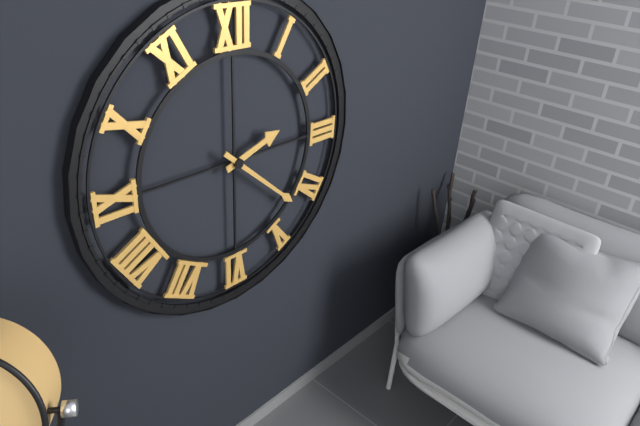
2 h 22 min
